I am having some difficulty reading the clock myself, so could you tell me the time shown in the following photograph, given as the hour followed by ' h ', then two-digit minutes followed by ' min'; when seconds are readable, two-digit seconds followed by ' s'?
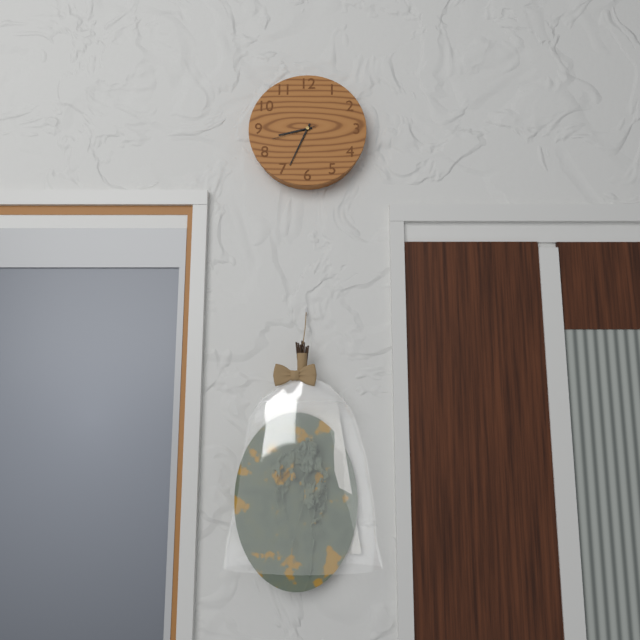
8 h 34 min
